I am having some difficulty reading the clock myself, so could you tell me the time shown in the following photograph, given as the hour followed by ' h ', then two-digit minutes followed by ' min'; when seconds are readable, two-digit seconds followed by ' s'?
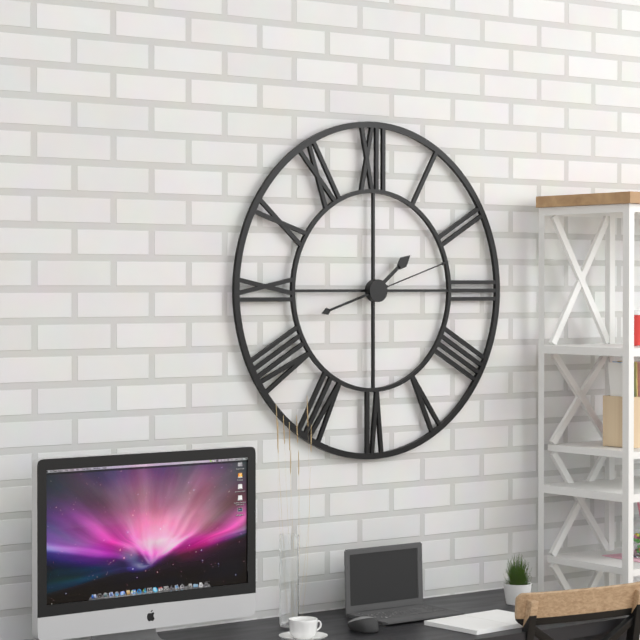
1 h 42 min 12 s
